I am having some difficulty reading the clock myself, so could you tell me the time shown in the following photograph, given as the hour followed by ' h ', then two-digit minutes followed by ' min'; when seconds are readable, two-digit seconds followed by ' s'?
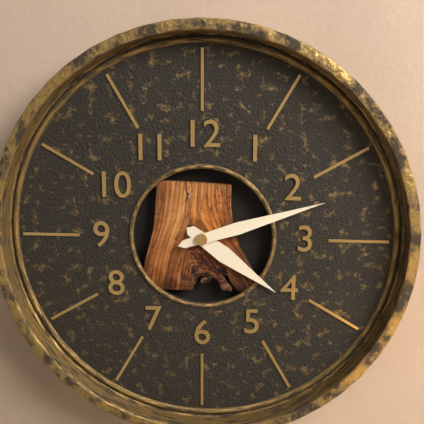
4 h 12 min
